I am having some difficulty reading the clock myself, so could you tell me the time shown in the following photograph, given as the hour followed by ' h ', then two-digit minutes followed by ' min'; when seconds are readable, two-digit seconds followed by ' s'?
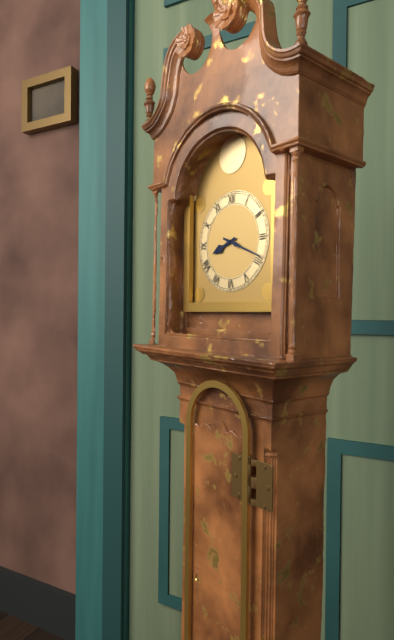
8 h 19 min
